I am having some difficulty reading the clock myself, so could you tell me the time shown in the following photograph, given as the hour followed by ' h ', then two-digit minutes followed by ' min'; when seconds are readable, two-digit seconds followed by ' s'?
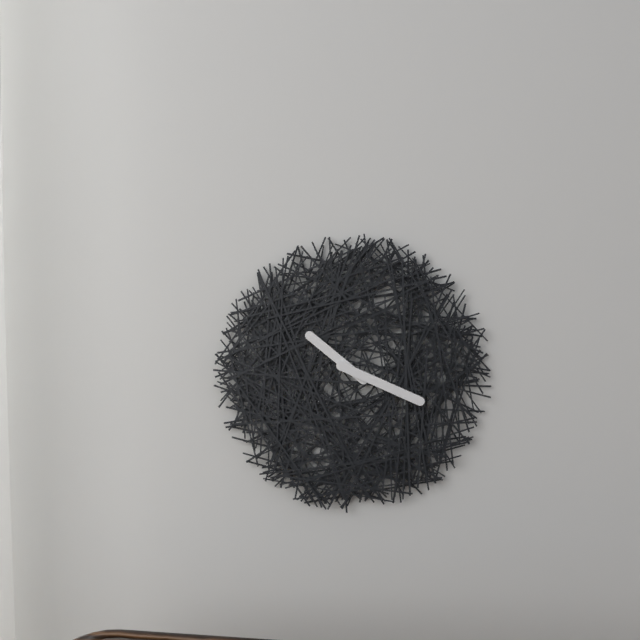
10 h 19 min
